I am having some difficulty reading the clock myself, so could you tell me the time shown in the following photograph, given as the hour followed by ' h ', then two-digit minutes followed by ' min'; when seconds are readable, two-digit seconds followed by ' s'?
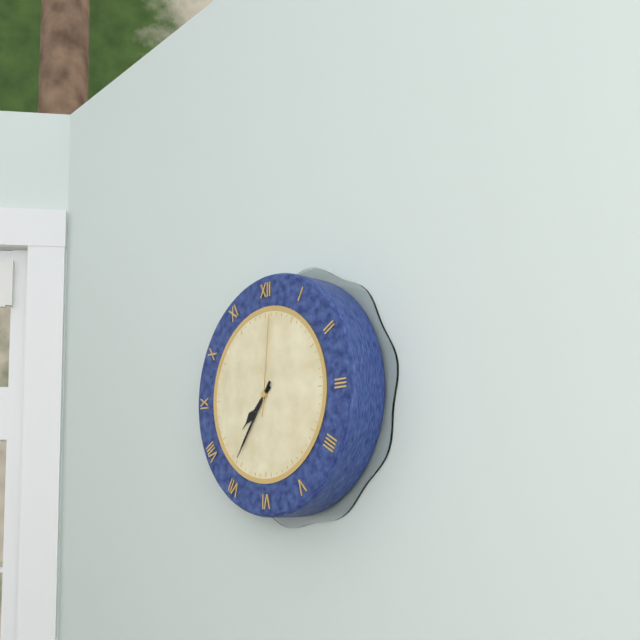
7 h 36 min 01 s
